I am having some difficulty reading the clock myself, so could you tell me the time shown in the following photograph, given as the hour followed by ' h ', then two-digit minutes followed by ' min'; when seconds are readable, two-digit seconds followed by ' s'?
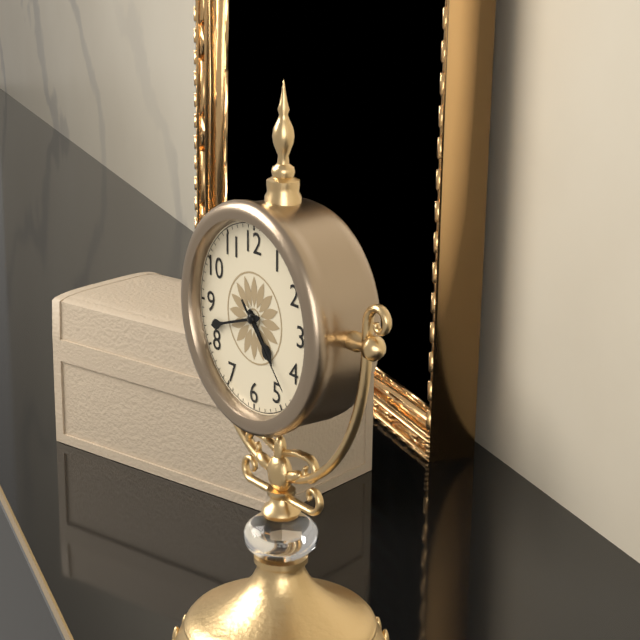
4 h 42 min 23 s
